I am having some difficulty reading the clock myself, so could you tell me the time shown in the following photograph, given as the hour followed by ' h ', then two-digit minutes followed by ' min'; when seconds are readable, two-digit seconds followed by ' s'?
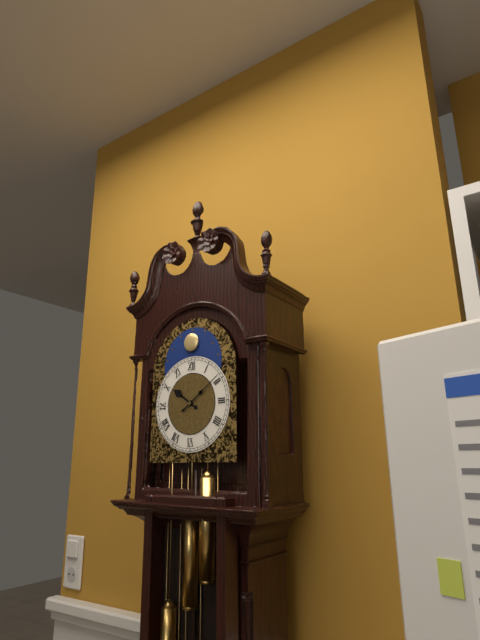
10 h 09 min
